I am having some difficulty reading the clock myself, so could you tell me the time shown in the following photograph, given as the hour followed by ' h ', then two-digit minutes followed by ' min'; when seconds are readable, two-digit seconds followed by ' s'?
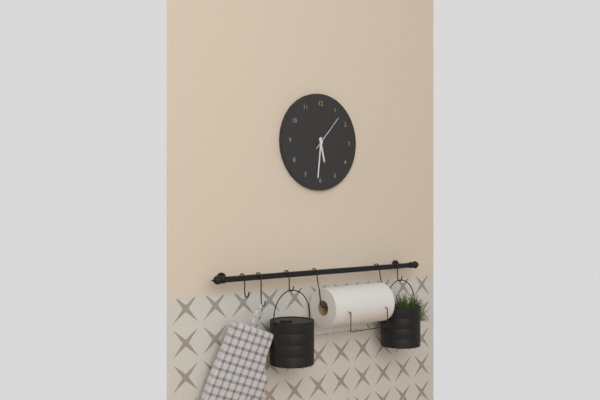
5 h 31 min
